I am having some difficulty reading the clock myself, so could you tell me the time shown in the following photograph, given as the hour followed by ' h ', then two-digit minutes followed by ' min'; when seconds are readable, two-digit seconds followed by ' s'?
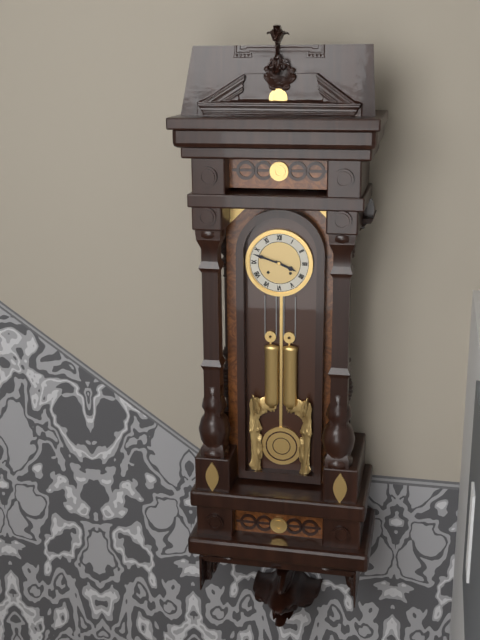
3 h 48 min
